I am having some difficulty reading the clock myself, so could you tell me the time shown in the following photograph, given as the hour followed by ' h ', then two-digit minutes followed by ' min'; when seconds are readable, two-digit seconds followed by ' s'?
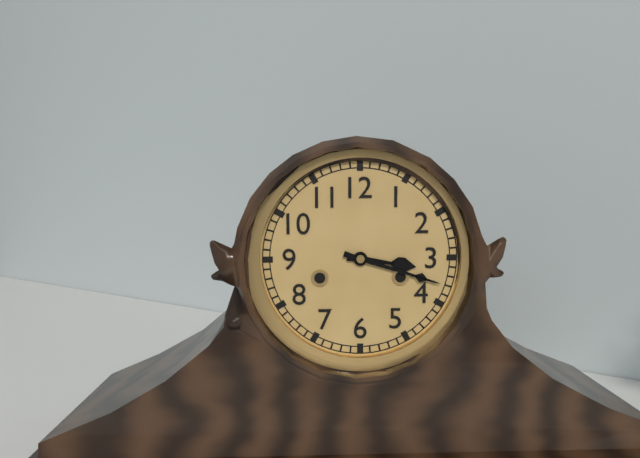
3 h 18 min
